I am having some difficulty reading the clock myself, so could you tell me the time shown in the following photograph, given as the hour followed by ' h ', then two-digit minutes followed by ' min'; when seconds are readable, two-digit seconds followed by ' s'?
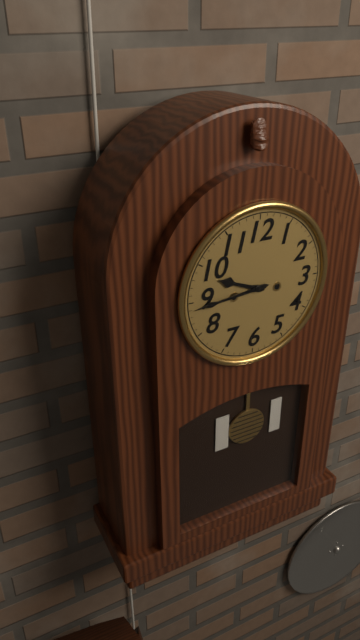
9 h 44 min
